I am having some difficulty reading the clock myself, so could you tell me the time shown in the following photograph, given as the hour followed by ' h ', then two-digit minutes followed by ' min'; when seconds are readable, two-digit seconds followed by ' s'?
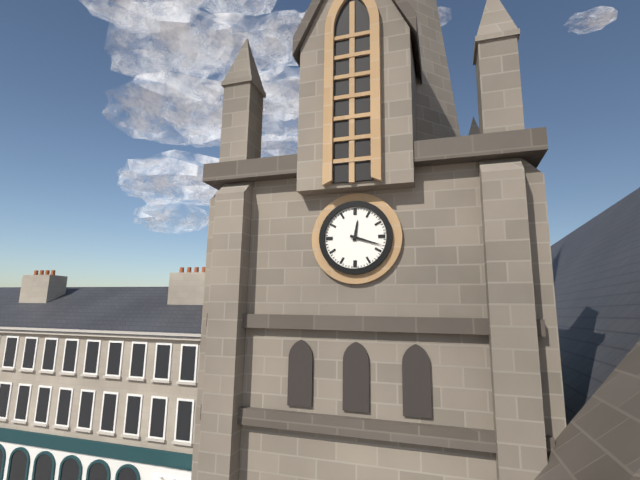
12 h 18 min
